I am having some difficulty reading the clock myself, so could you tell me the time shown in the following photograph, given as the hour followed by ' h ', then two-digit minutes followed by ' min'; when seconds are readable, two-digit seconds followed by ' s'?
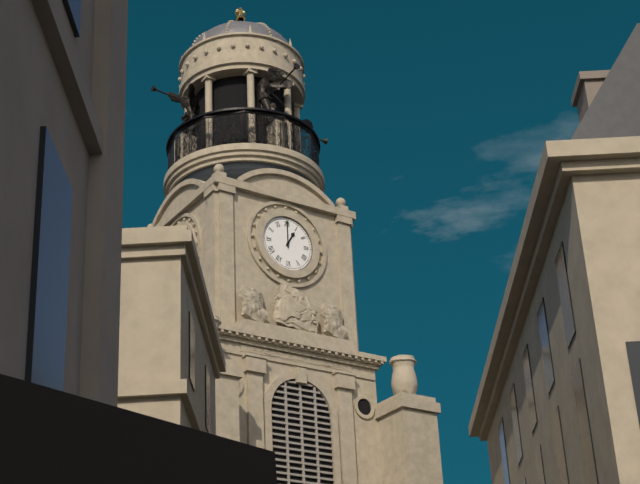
1 h 00 min
